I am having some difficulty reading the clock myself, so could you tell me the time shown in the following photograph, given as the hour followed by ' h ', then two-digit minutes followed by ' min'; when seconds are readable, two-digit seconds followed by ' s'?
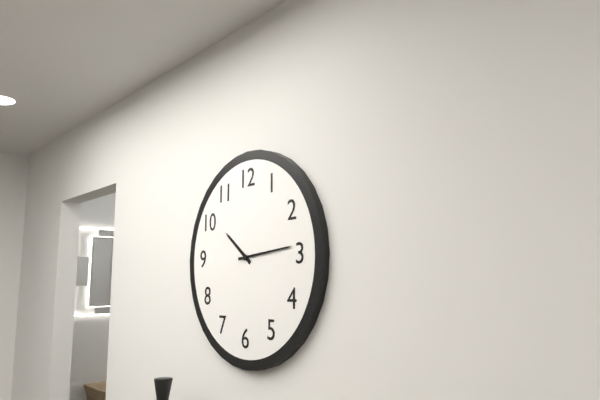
10 h 14 min
